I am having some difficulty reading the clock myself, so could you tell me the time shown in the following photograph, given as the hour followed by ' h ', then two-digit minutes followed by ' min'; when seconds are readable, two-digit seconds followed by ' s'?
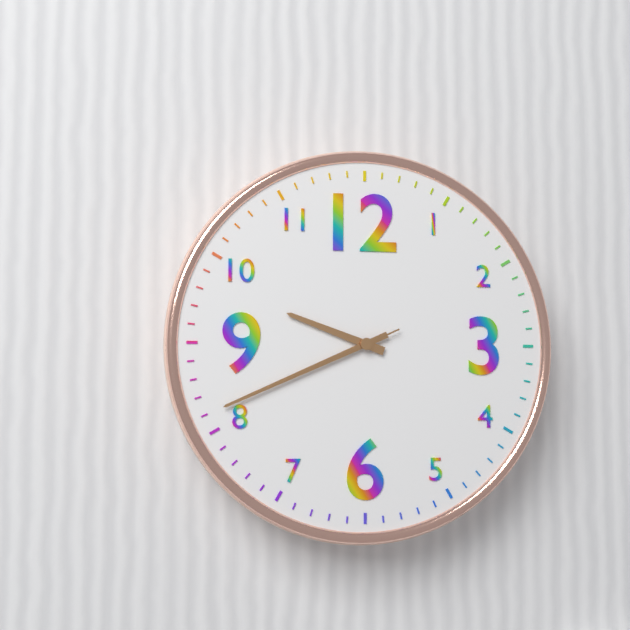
9 h 41 min 41 s
